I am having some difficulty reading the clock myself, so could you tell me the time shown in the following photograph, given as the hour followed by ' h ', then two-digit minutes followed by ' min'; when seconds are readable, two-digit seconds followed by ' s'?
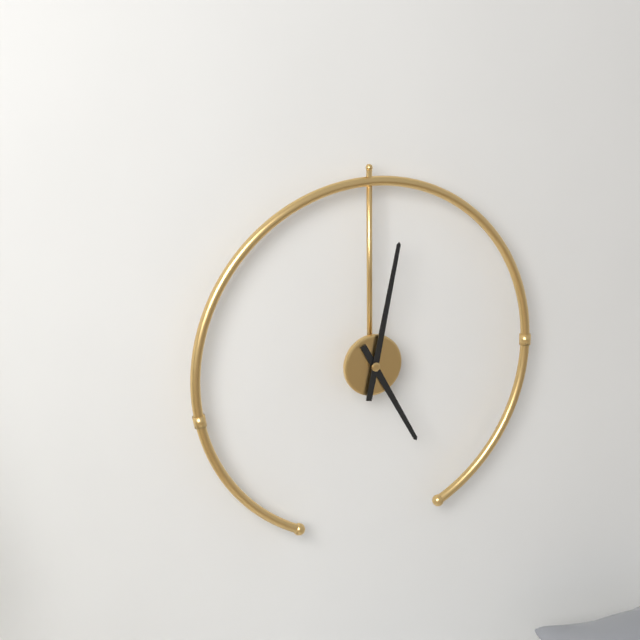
5 h 02 min
